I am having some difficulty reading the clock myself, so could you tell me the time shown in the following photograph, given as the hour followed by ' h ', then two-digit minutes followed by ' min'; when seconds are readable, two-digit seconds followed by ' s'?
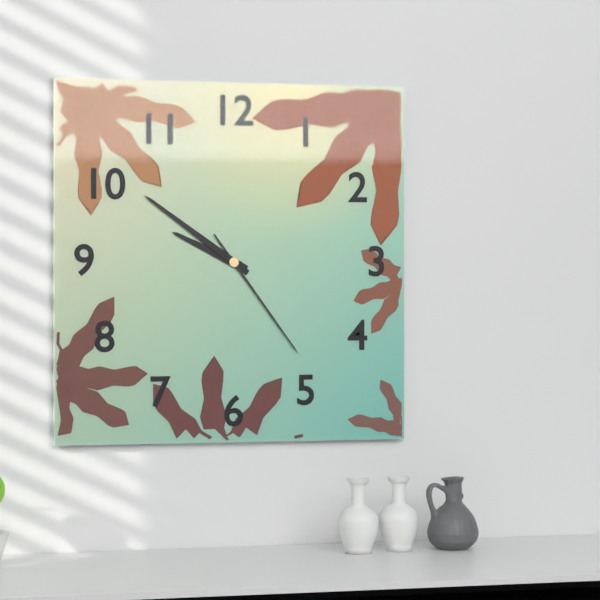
9 h 51 min 24 s
